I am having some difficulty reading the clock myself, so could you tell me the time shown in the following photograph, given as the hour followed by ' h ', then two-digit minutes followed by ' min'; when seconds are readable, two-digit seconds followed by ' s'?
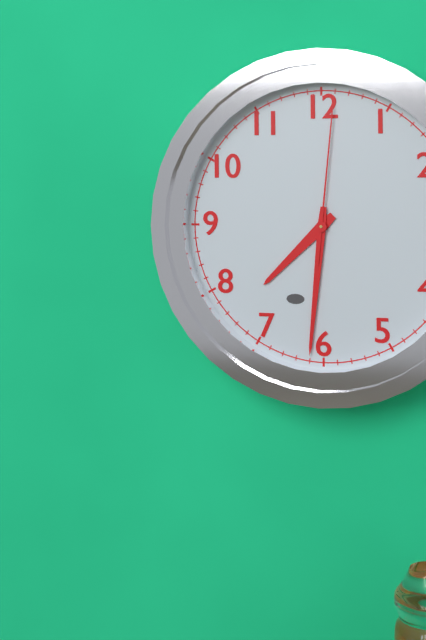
7 h 31 min 01 s
